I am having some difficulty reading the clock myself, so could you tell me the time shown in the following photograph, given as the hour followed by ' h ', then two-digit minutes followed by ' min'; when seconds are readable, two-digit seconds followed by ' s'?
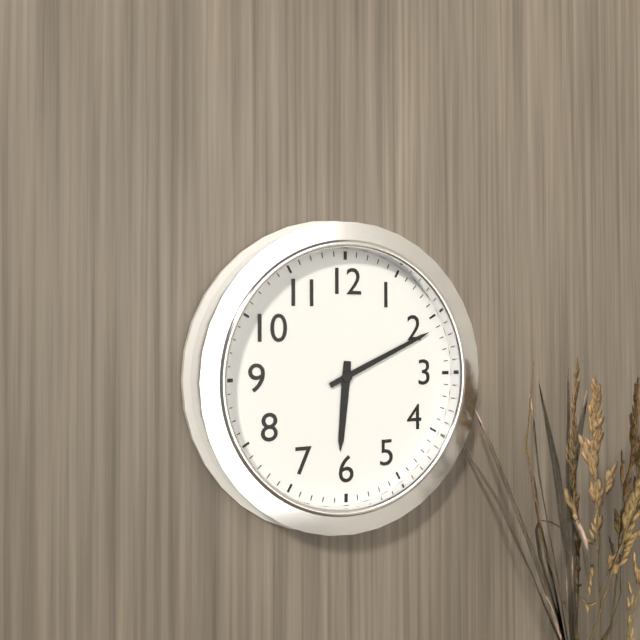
6 h 11 min
